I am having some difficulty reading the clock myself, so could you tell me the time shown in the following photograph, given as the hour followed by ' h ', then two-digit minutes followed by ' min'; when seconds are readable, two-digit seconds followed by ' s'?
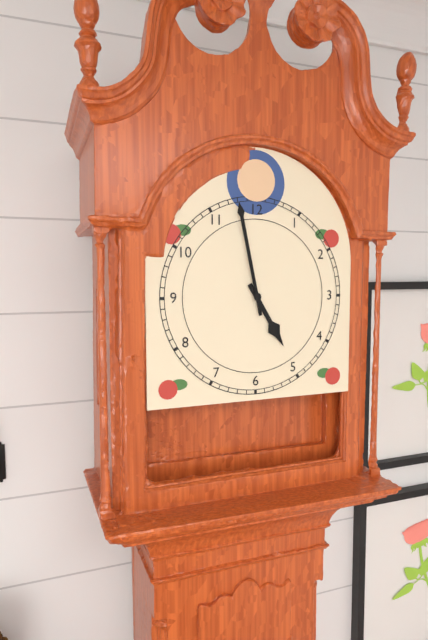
4 h 58 min
